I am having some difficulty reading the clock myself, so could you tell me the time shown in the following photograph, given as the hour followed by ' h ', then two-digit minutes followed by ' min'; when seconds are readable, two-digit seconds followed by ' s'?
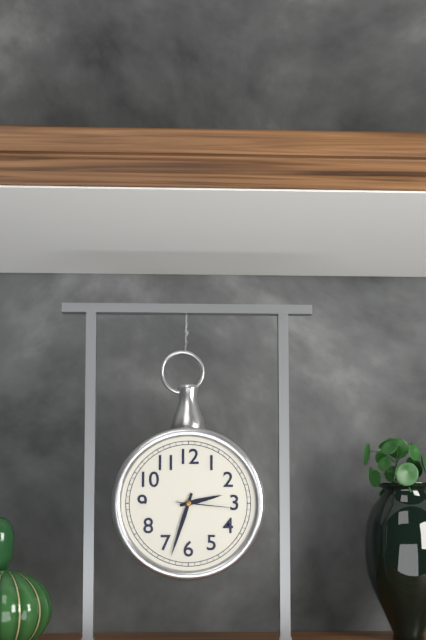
2 h 33 min 16 s
